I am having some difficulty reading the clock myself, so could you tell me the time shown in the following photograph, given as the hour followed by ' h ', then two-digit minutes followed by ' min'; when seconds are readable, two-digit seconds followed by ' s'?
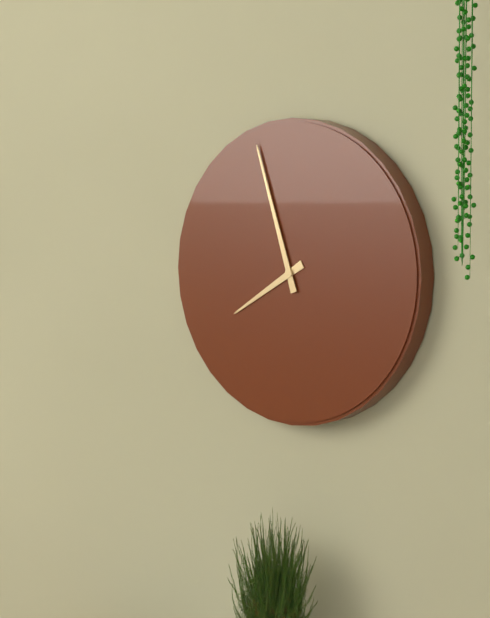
7 h 57 min
